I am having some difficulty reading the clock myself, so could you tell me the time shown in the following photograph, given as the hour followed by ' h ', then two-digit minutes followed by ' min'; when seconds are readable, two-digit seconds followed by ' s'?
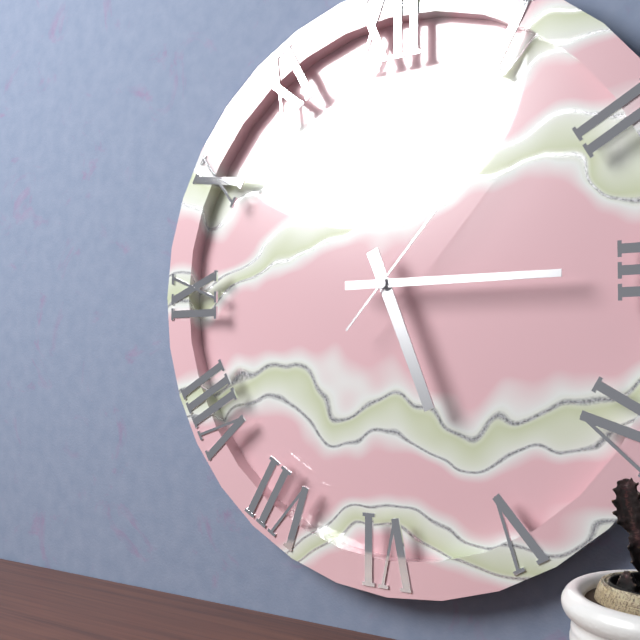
5 h 15 min 07 s
